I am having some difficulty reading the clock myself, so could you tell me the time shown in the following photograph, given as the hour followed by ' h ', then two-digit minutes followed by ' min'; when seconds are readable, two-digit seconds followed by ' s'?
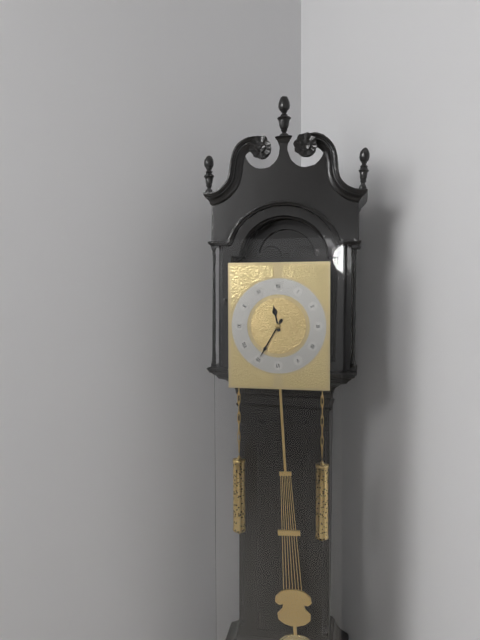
11 h 35 min
